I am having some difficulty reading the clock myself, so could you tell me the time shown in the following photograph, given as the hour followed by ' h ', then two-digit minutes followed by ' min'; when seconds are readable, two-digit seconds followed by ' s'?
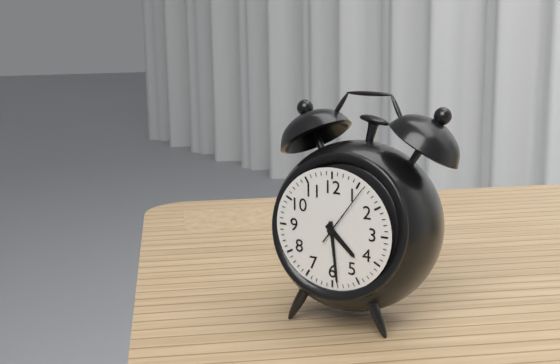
4 h 29 min 06 s
